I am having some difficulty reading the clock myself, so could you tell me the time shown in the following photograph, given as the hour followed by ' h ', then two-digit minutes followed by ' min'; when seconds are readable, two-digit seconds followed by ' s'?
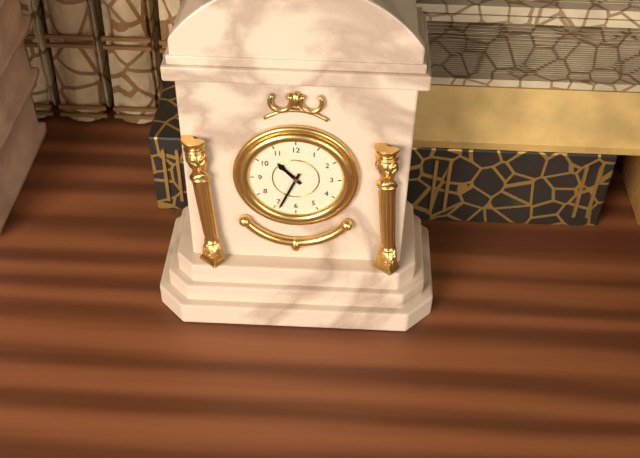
10 h 34 min
